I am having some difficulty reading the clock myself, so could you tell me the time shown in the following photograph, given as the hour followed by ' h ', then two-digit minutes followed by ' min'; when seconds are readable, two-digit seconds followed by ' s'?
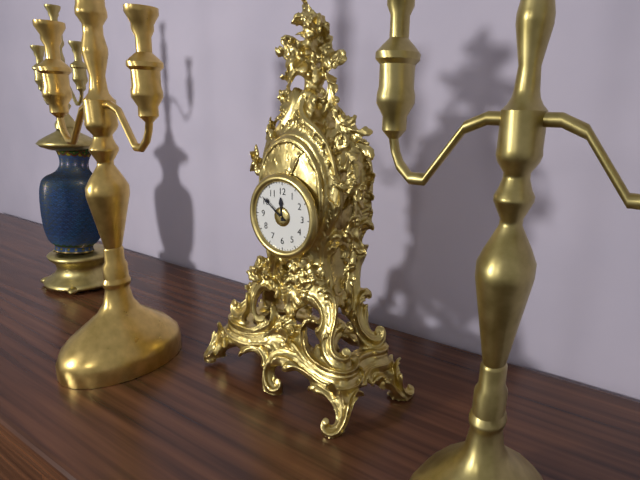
11 h 51 min
